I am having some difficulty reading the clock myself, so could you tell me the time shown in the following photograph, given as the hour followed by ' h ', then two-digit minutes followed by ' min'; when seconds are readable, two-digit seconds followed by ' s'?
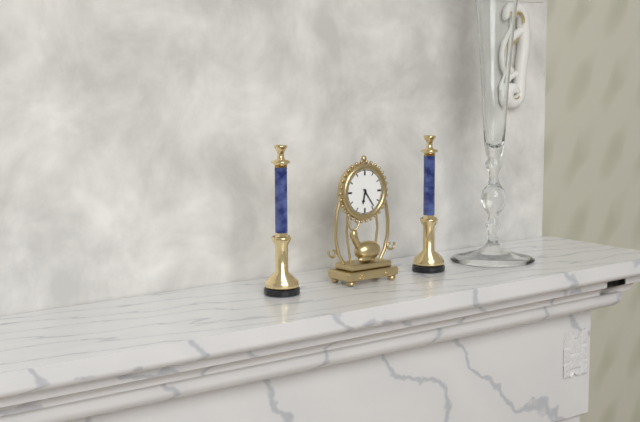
6 h 24 min
